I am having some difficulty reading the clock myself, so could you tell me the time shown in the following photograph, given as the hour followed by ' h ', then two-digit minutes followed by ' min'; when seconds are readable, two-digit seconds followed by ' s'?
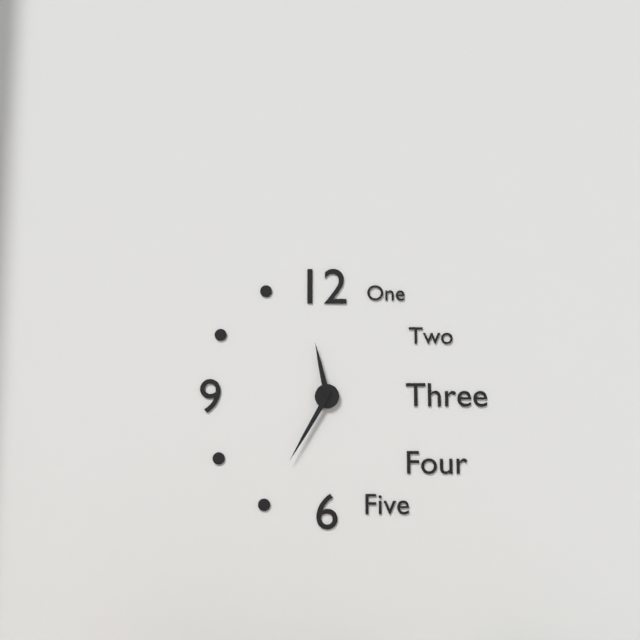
11 h 35 min
